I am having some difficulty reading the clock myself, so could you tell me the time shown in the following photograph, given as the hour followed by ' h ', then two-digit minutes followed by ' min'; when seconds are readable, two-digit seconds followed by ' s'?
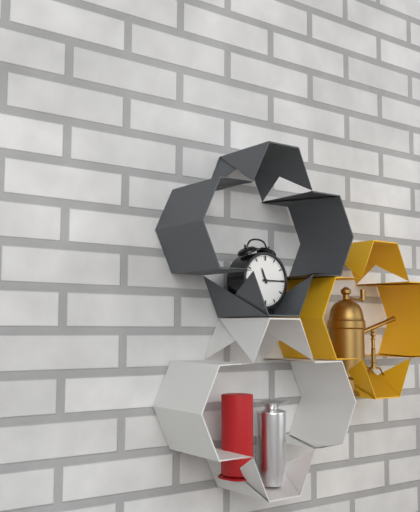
11 h 15 min
